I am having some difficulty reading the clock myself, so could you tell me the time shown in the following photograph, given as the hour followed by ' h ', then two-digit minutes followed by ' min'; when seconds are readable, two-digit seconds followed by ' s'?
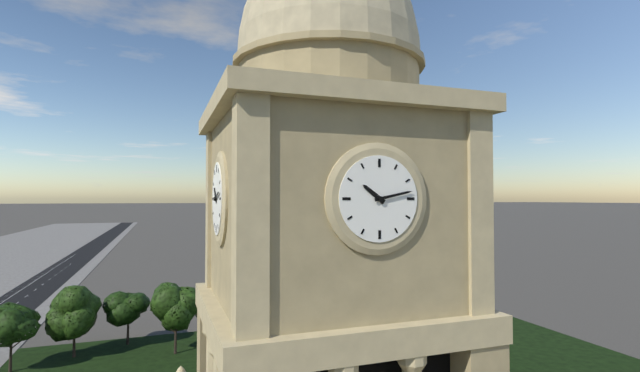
10 h 13 min
